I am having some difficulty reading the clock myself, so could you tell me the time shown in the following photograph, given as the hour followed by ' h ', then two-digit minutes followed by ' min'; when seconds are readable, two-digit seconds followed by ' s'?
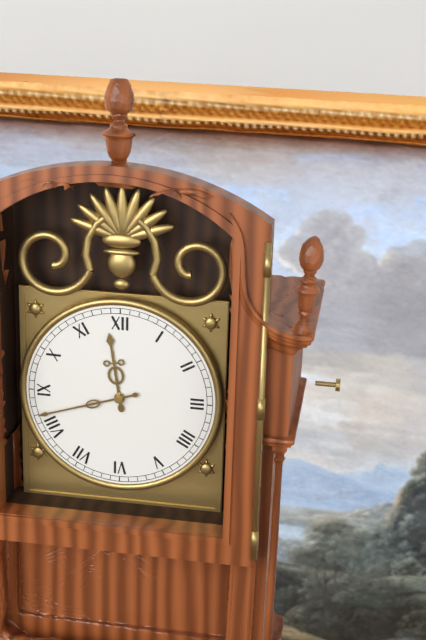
11 h 42 min
